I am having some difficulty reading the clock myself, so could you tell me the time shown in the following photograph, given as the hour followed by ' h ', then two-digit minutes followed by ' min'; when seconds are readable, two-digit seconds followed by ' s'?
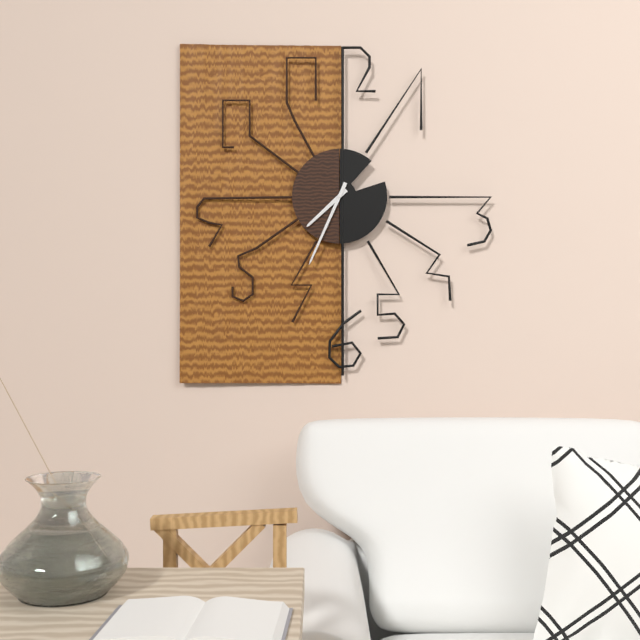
7 h 34 min
